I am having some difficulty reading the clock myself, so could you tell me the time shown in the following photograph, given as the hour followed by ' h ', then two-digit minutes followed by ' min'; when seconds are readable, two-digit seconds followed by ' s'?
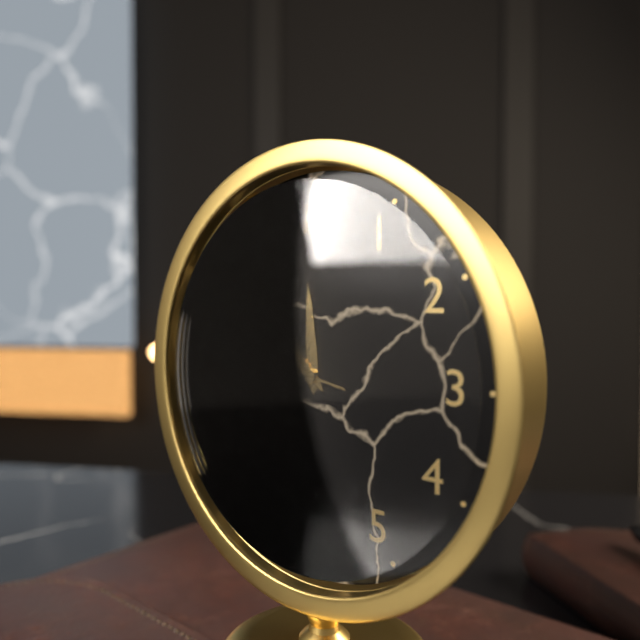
11 h 52 min 47 s
